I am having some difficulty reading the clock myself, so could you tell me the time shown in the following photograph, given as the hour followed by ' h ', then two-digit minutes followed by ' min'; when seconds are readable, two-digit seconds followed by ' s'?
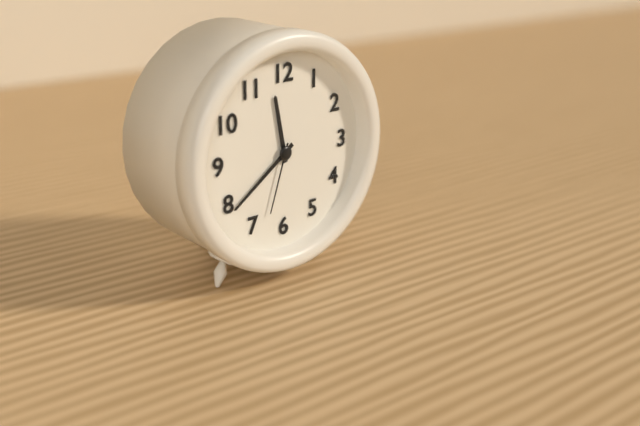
11 h 39 min 33 s
